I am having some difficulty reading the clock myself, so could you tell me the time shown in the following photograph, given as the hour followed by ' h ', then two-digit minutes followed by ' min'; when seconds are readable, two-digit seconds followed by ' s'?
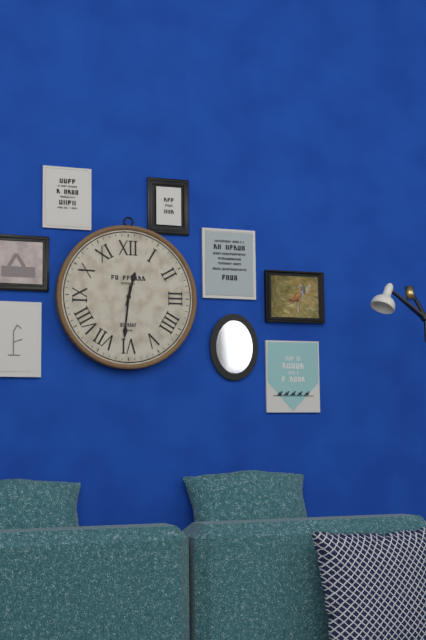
12 h 31 min
